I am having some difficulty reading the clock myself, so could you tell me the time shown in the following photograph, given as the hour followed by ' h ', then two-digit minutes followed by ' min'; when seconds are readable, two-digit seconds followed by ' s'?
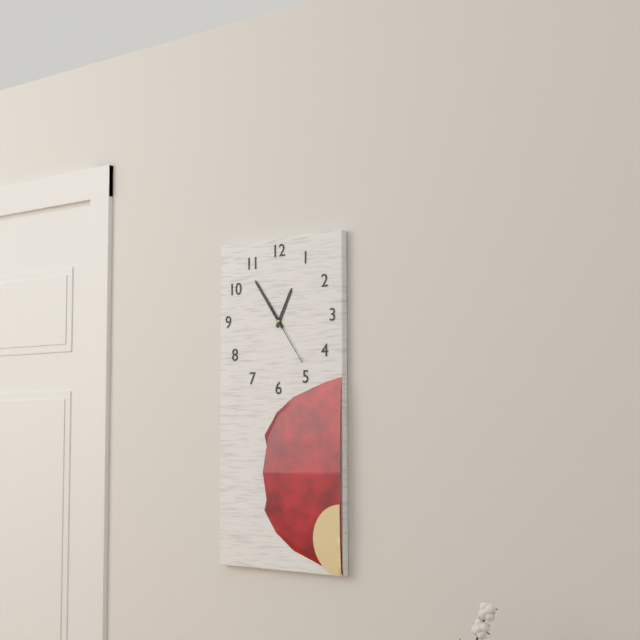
12 h 54 min 24 s
